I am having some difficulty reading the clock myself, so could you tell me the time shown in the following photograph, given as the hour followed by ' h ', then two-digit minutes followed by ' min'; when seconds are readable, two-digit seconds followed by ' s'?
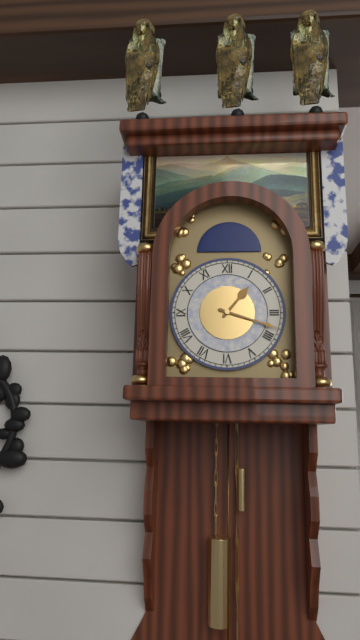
1 h 18 min
